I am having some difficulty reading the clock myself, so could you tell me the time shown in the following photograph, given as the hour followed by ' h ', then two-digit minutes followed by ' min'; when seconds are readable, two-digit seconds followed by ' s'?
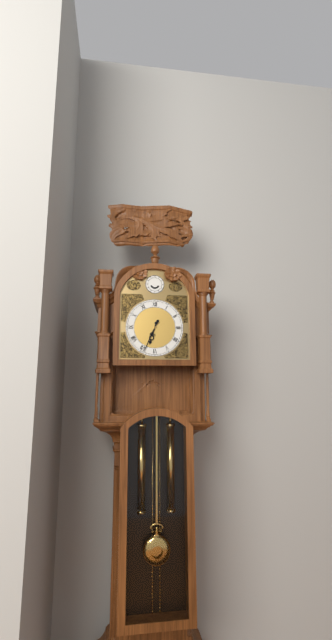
6 h 34 min
